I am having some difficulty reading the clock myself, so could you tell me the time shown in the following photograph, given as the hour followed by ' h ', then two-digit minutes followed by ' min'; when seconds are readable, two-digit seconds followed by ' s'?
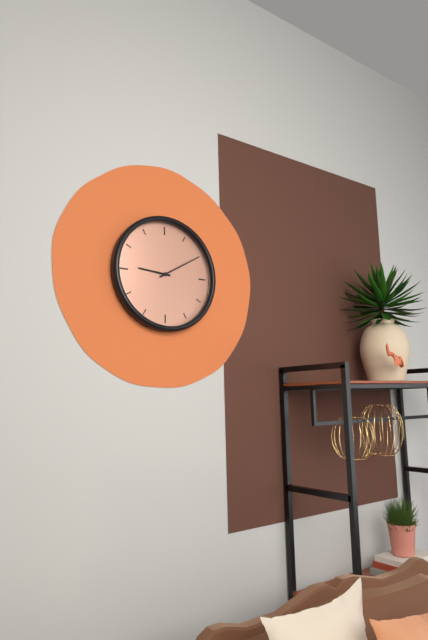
9 h 10 min
